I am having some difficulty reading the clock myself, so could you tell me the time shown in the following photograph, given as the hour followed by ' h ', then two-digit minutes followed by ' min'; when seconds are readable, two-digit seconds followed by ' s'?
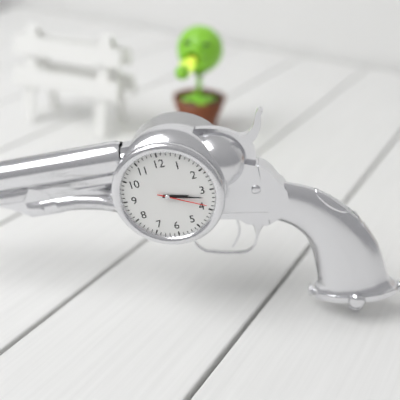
3 h 17 min 19 s
